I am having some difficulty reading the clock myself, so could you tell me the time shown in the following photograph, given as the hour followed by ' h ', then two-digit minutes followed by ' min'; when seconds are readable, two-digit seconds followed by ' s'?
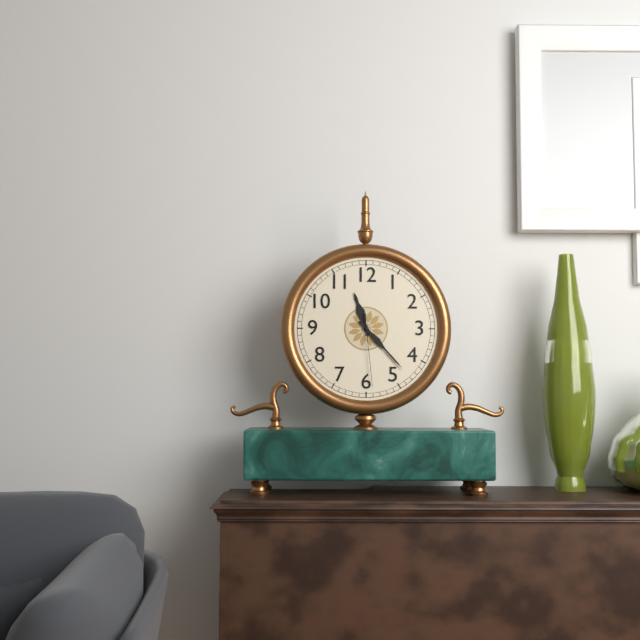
11 h 23 min 29 s
